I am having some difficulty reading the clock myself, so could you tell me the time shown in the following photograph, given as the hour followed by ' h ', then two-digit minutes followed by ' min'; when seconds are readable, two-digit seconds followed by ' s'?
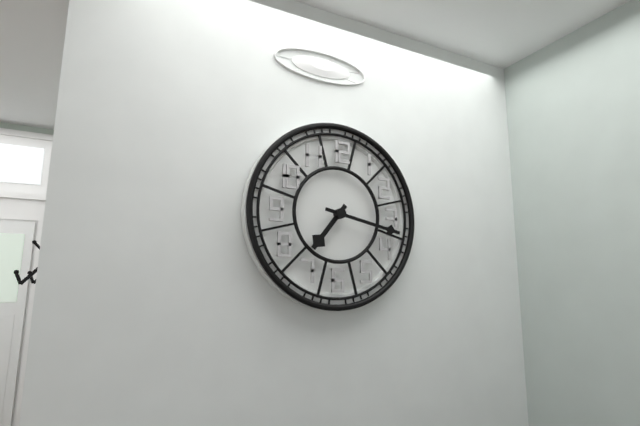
7 h 17 min
